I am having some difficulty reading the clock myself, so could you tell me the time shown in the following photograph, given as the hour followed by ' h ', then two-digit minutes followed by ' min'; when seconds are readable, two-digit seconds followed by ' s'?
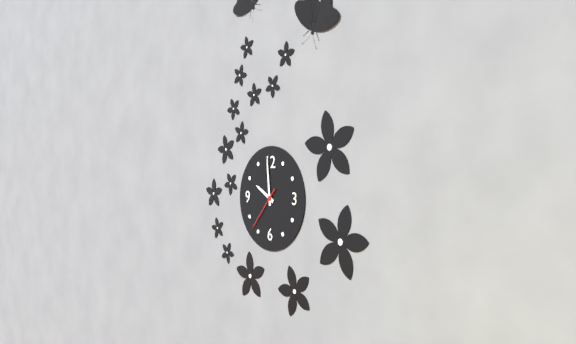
9 h 59 min
